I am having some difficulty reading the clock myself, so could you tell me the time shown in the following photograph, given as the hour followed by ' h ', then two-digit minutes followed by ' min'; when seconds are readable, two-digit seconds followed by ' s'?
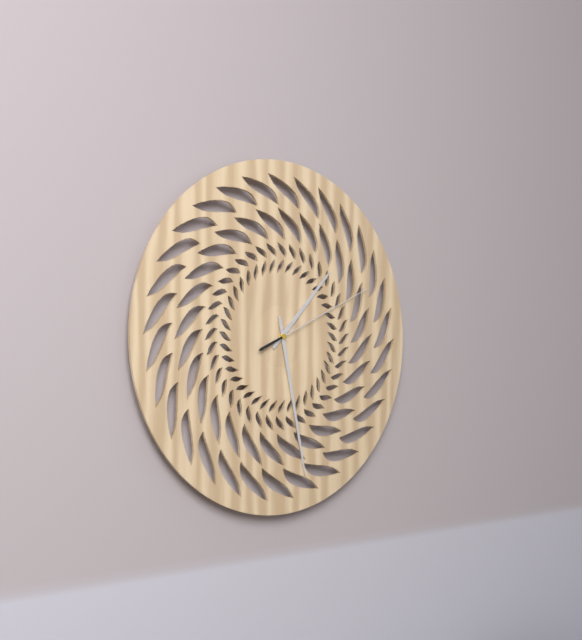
1 h 28 min 11 s
